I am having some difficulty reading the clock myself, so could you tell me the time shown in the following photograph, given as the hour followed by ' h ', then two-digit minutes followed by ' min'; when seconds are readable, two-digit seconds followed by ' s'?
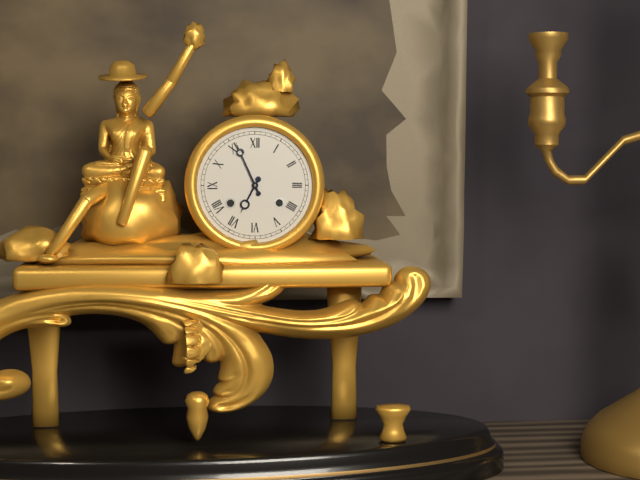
6 h 56 min
